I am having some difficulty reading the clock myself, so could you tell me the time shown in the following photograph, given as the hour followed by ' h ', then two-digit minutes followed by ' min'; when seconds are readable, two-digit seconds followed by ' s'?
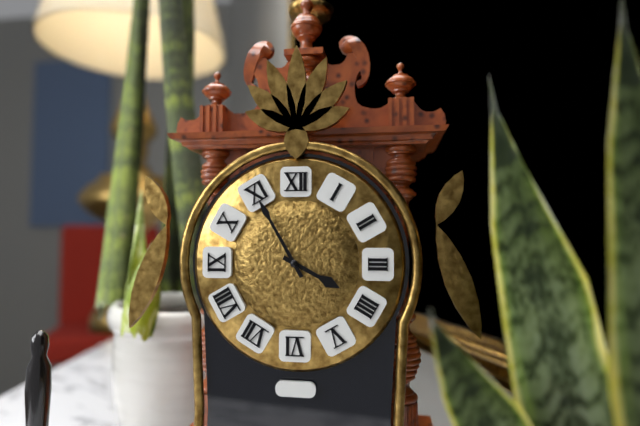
3 h 55 min
